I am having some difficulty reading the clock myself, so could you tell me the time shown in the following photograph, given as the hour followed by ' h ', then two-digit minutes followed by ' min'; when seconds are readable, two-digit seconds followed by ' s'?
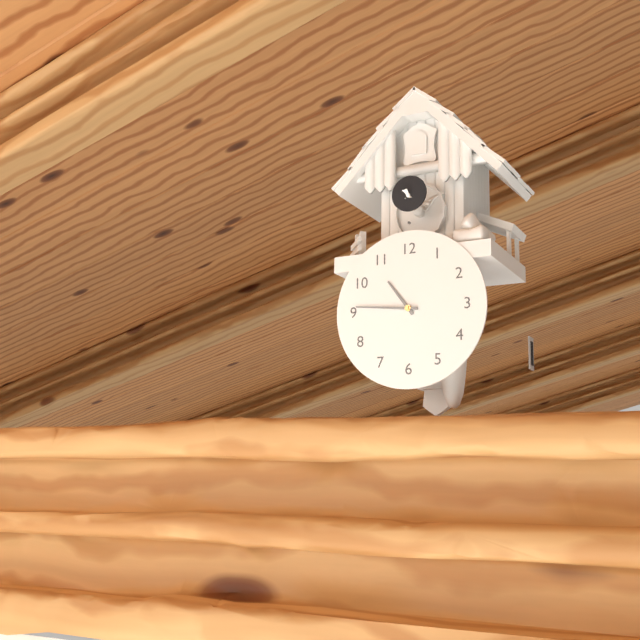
10 h 46 min
